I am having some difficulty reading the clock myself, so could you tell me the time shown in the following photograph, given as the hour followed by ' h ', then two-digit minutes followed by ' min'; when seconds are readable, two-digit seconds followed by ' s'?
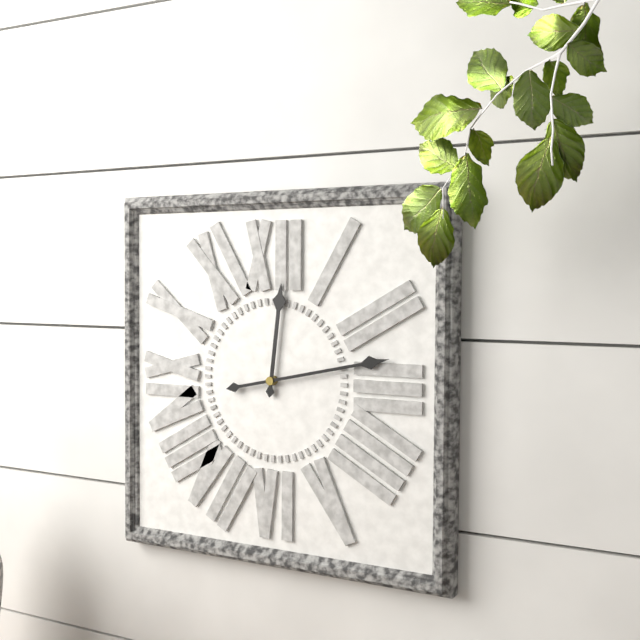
12 h 13 min
